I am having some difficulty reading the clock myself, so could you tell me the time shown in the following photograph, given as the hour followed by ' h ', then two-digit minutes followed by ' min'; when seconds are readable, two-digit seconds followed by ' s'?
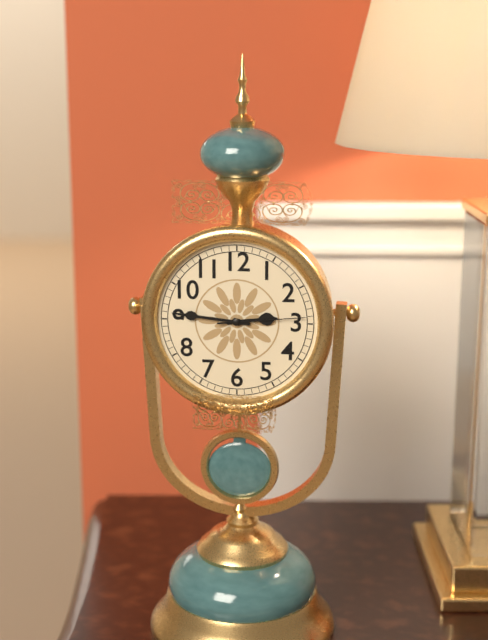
2 h 46 min 14 s
